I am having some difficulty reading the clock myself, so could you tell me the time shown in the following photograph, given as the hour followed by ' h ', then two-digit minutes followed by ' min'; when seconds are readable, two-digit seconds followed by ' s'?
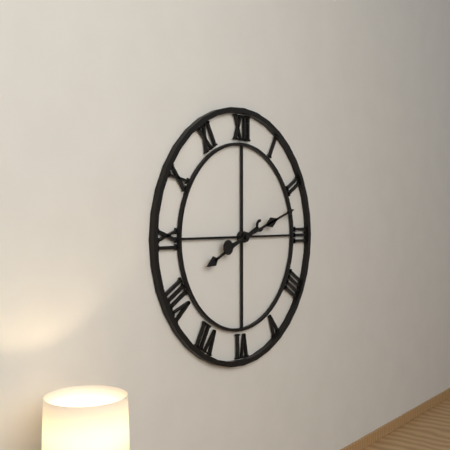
8 h 12 min
